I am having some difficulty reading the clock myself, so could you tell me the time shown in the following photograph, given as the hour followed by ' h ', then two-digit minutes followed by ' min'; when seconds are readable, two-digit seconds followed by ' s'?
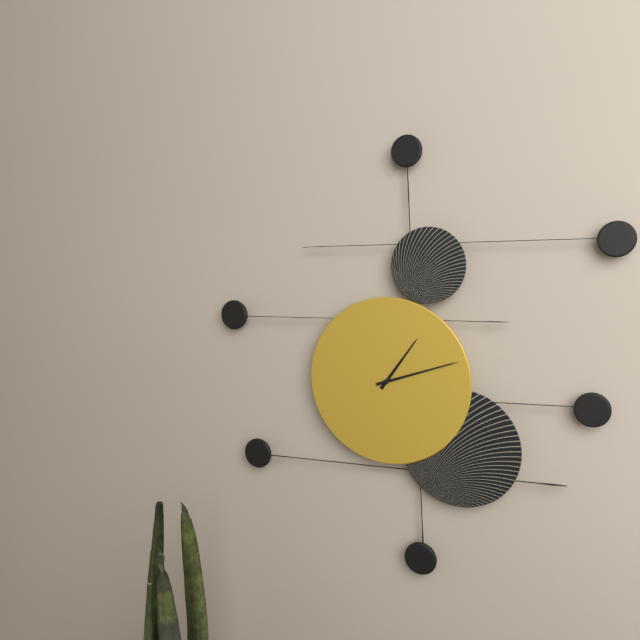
1 h 12 min
